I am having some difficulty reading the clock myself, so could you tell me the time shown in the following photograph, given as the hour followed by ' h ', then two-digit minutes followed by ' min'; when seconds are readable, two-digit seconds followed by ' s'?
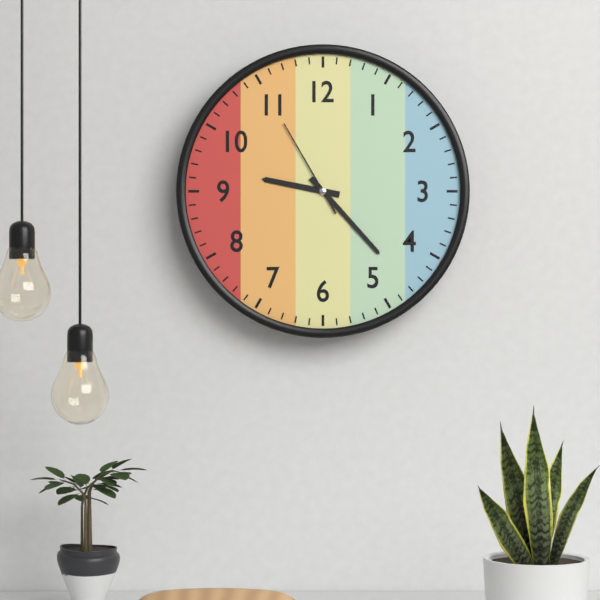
9 h 23 min 55 s
